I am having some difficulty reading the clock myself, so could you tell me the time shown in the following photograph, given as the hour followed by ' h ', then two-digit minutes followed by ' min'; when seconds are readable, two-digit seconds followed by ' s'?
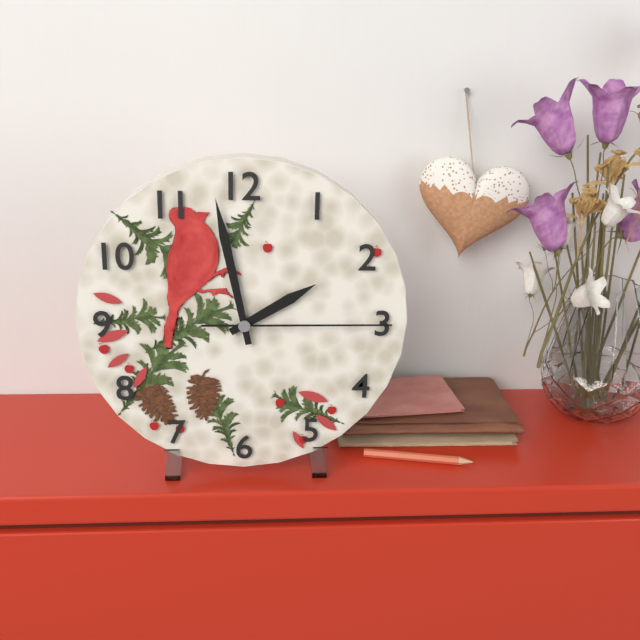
1 h 58 min 15 s
